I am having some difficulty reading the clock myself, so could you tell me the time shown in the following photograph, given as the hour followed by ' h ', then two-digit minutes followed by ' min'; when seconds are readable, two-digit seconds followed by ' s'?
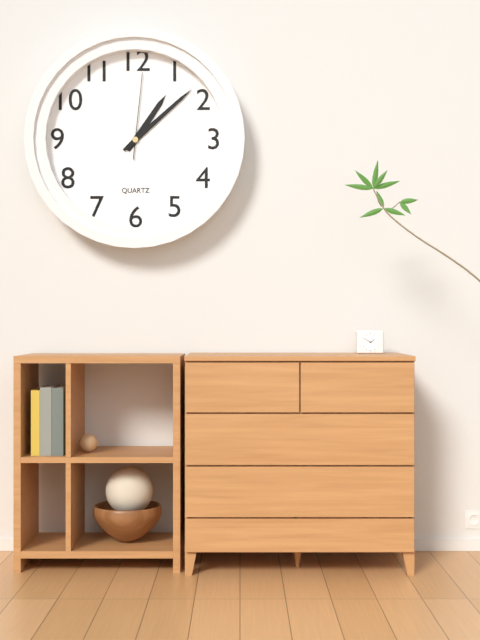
1 h 08 min 01 s
